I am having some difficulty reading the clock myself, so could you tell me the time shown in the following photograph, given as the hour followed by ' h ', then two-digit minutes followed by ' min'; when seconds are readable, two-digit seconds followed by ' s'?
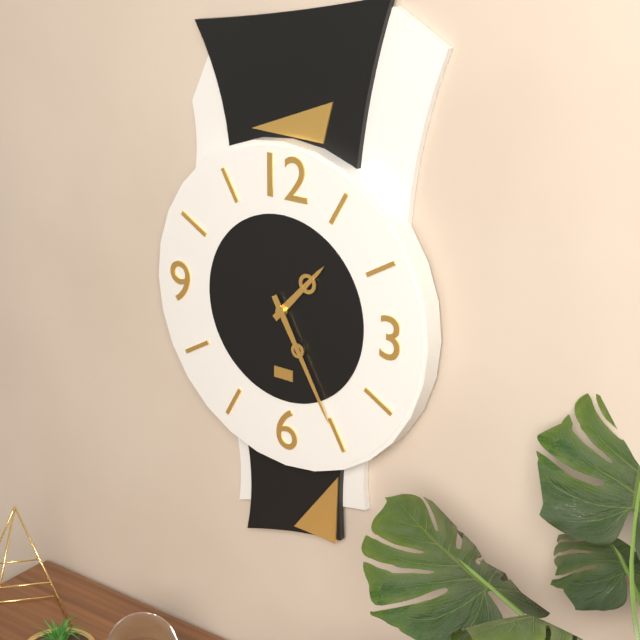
1 h 25 min
